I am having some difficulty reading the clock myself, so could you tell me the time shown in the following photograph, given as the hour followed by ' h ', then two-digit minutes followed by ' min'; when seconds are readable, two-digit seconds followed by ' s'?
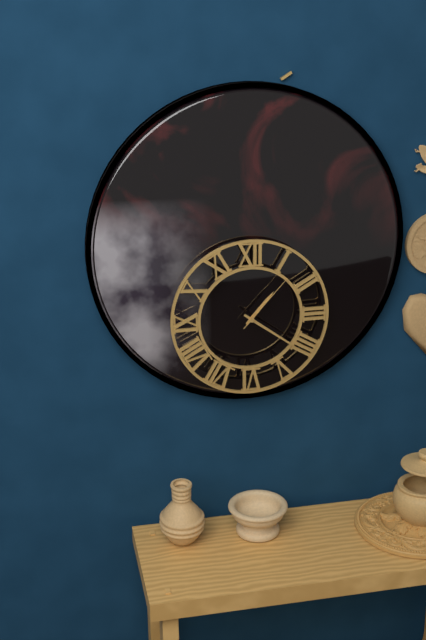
1 h 21 min 07 s
